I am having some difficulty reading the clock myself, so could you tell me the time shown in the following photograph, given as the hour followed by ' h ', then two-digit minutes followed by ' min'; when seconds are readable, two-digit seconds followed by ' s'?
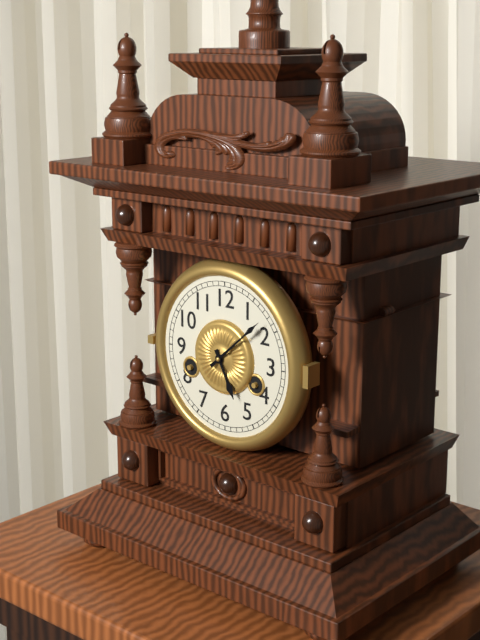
5 h 08 min
